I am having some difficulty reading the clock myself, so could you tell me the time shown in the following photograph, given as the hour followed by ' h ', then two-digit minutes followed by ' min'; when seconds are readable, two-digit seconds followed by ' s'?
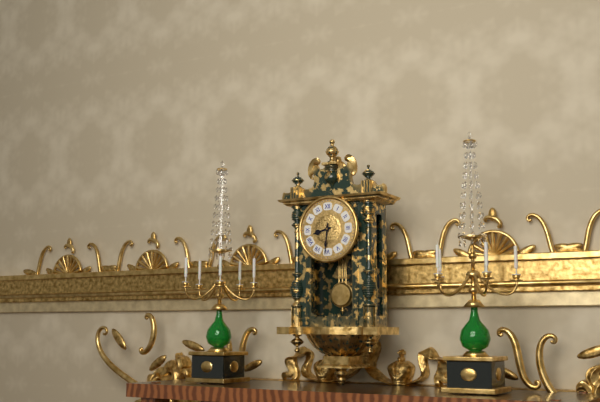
8 h 31 min
